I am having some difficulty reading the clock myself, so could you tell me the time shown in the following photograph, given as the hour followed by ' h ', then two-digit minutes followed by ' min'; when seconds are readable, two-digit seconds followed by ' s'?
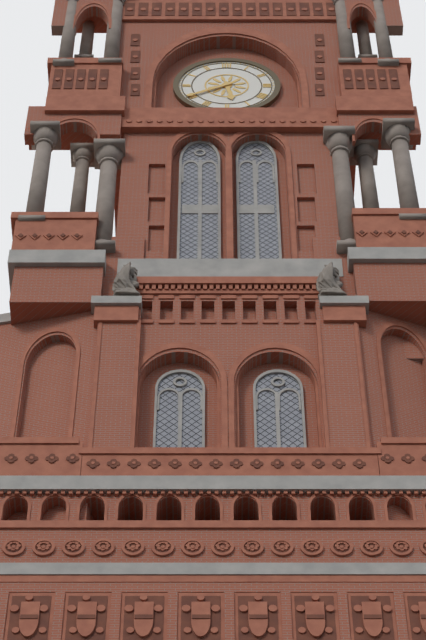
5 h 40 min
